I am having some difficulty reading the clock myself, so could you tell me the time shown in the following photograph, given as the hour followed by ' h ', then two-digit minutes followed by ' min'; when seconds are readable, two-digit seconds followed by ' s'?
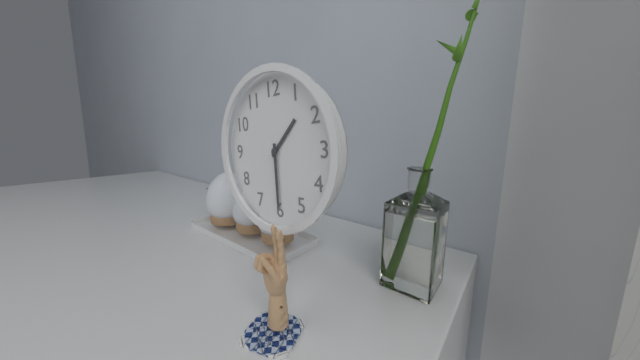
1 h 30 min
